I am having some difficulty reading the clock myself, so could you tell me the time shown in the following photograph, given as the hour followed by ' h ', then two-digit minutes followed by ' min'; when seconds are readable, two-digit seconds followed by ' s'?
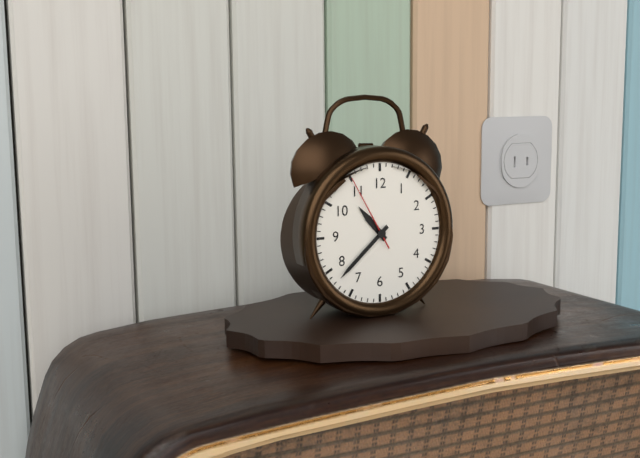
10 h 38 min 55 s
